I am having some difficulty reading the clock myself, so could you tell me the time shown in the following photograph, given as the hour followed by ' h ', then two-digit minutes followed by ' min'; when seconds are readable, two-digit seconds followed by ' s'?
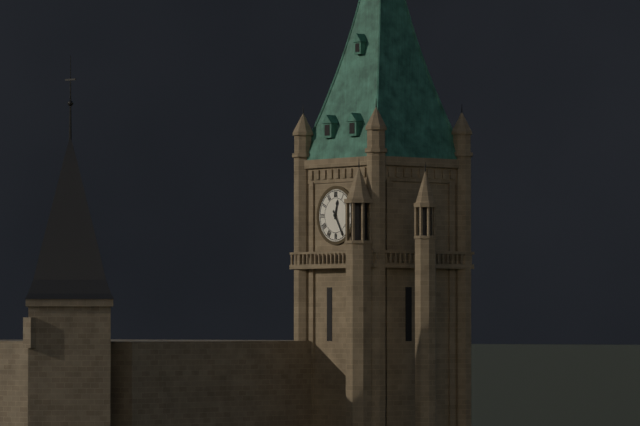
12 h 25 min
